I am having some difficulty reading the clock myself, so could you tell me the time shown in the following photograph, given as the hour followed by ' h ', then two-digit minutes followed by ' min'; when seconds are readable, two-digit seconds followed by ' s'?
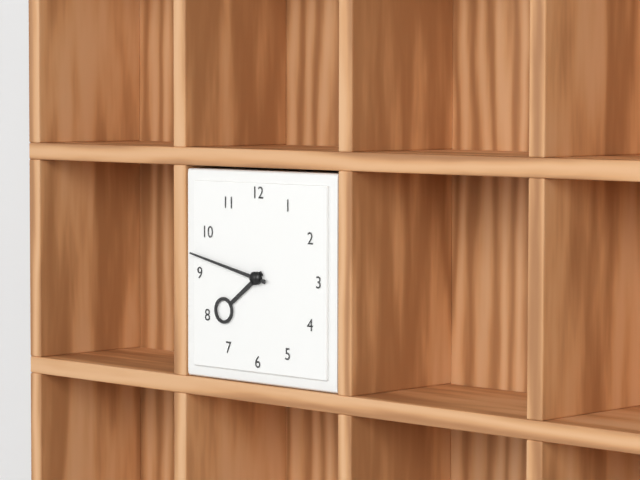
7 h 47 min
